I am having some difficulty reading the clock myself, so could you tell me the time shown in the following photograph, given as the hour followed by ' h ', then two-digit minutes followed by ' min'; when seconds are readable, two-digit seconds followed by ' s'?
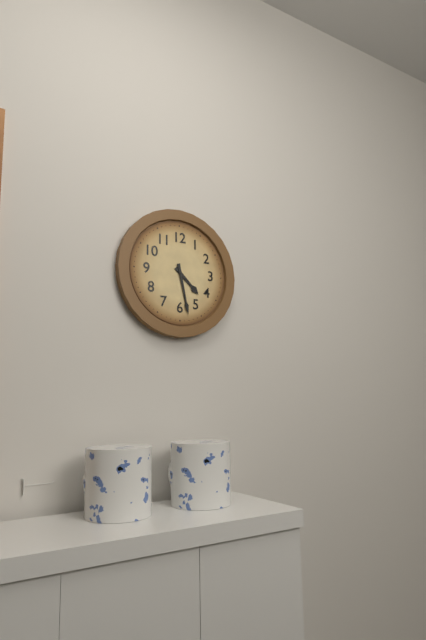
4 h 28 min
